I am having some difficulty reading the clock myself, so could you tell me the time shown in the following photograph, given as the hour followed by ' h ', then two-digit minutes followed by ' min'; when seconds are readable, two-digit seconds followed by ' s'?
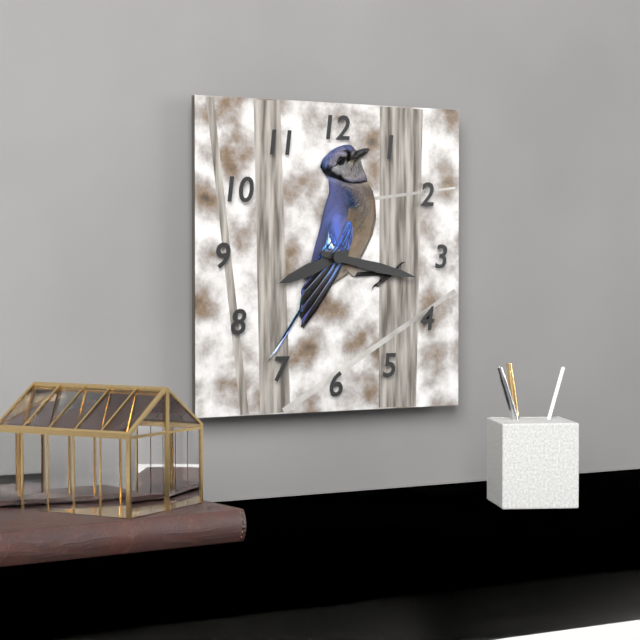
8 h 17 min
